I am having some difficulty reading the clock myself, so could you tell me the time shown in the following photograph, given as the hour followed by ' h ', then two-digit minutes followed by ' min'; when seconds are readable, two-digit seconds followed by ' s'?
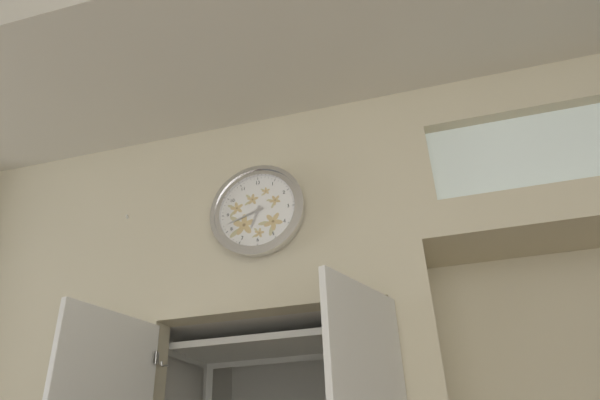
6 h 42 min
